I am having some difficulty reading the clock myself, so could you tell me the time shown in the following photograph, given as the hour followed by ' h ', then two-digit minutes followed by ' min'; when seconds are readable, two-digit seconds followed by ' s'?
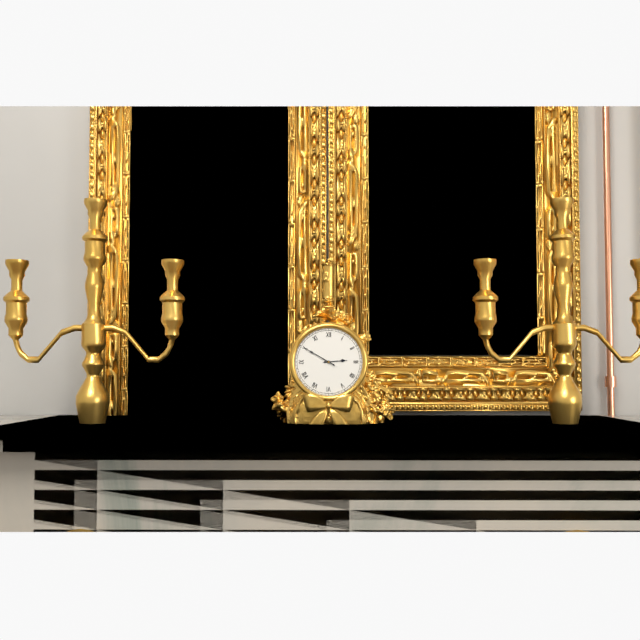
2 h 50 min
